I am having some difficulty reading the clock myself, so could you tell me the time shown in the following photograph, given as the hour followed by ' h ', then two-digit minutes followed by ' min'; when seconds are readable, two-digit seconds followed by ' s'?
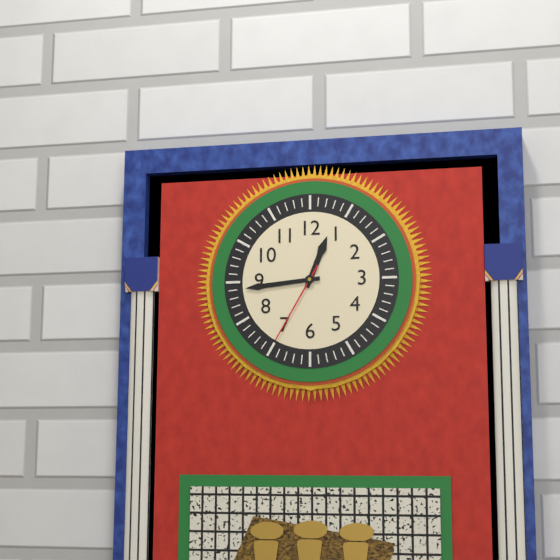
12 h 44 min 35 s
